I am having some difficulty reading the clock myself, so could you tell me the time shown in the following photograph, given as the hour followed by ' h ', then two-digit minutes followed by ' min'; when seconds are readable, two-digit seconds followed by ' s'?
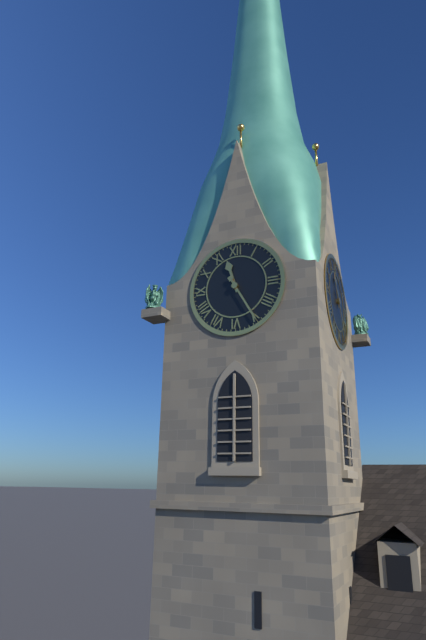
11 h 25 min
